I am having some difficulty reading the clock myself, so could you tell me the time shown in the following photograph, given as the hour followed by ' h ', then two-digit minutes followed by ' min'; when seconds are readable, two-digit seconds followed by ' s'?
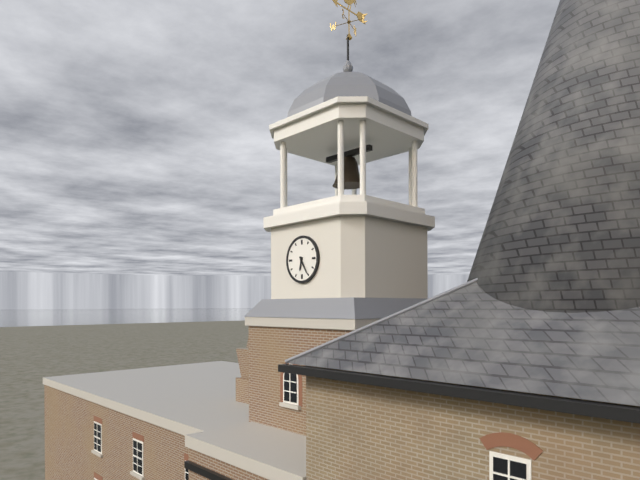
6 h 25 min
